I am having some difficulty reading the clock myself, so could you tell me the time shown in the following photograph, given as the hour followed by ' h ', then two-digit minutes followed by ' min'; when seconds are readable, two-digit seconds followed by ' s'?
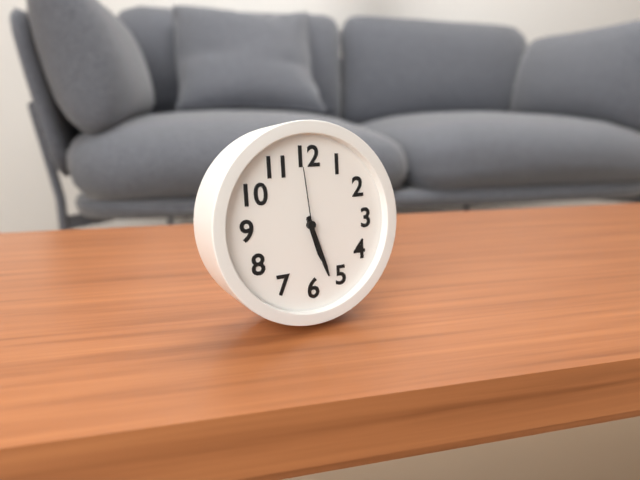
5 h 27 min 59 s
